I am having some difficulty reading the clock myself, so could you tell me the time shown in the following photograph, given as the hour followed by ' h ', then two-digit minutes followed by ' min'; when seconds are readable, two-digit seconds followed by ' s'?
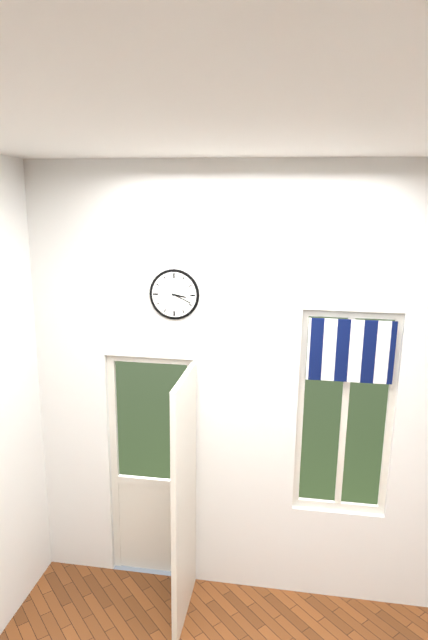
3 h 19 min
